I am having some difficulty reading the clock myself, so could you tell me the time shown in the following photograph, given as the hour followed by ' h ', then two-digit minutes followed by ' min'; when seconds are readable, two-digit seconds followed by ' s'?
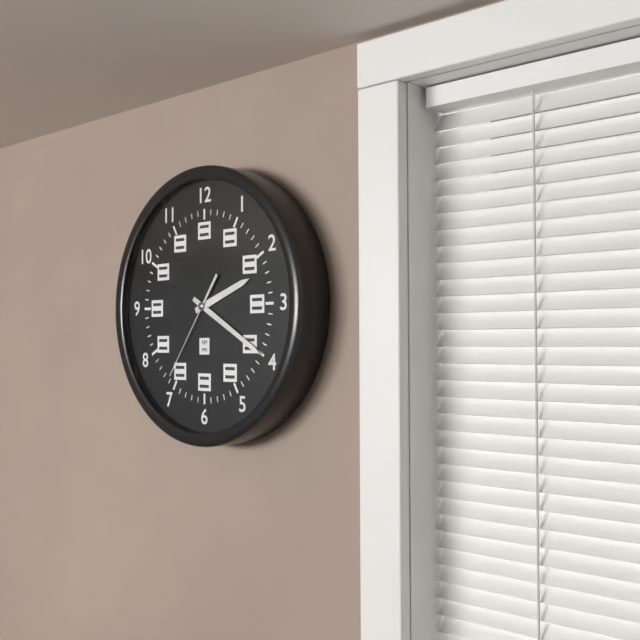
2 h 20 min 36 s
